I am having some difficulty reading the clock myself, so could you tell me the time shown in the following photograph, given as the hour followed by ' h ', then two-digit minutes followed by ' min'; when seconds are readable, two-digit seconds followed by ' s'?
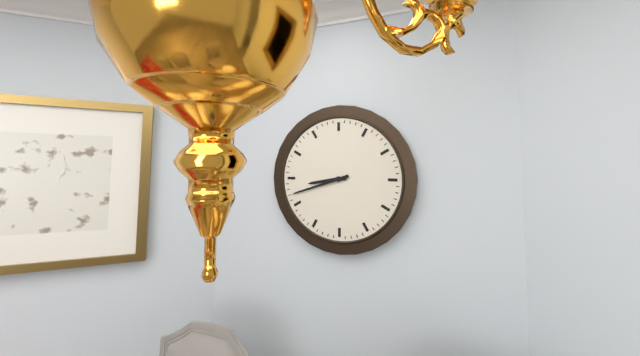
8 h 42 min
